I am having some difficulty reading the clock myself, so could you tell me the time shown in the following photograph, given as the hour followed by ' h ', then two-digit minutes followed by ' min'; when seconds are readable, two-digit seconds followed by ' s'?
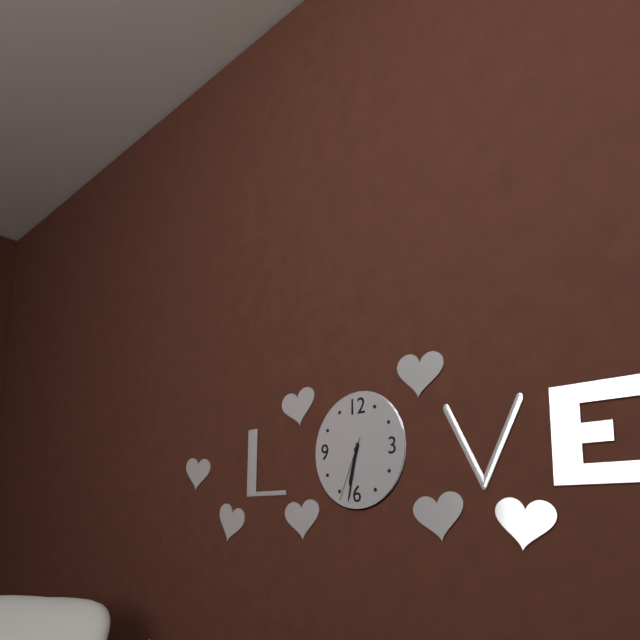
6 h 32 min 34 s
